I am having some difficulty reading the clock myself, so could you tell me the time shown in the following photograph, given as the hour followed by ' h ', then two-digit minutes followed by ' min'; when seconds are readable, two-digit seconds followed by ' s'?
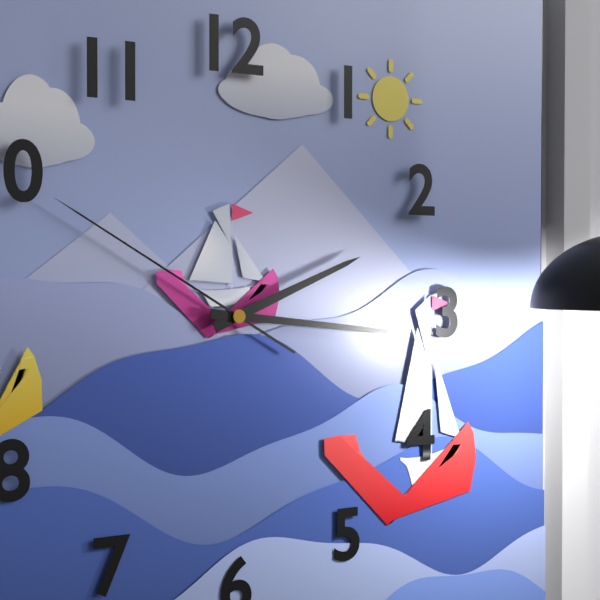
2 h 16 min 50 s
